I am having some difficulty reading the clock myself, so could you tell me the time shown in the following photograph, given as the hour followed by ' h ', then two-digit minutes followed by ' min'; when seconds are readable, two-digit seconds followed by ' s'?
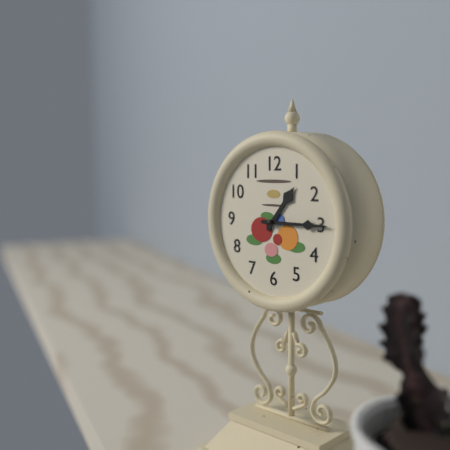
1 h 15 min
